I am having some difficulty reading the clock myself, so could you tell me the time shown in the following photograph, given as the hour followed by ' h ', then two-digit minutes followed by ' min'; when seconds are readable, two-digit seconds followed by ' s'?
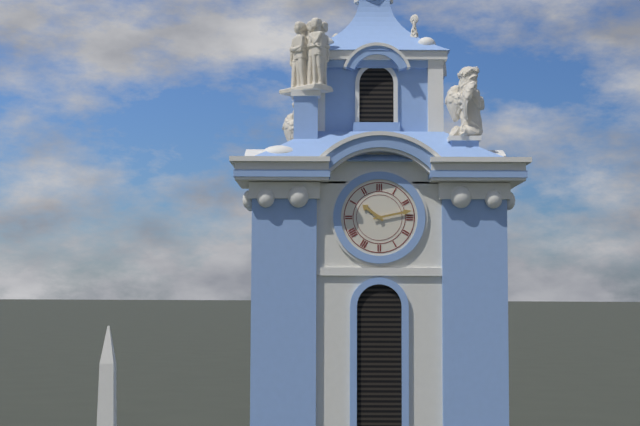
10 h 13 min
